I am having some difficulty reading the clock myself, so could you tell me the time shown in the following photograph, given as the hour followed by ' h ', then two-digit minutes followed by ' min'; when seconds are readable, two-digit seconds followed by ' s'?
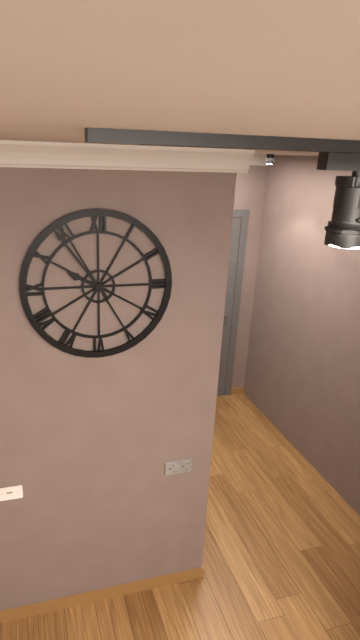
9 h 54 min
